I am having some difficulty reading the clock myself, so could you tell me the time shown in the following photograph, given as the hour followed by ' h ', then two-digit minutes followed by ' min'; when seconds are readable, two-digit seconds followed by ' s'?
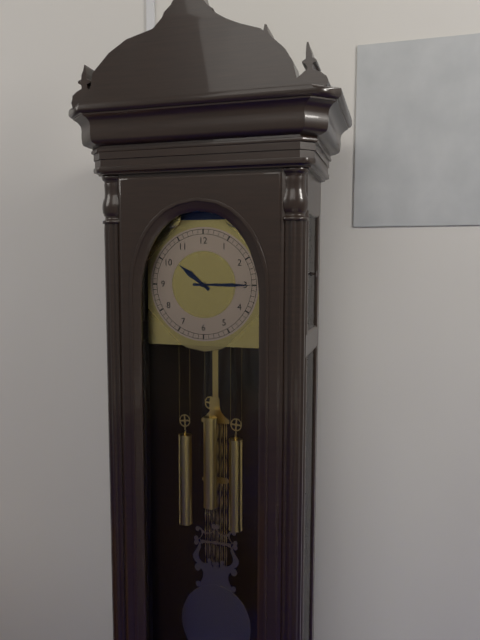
10 h 15 min
